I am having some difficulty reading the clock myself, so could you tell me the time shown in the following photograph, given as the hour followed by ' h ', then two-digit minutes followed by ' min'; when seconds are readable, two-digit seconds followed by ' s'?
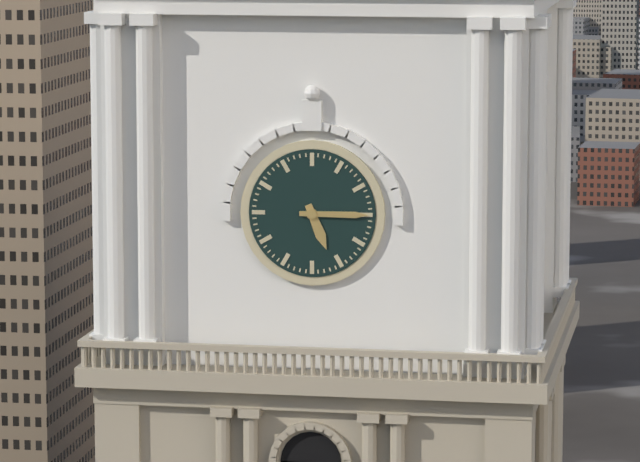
5 h 15 min
